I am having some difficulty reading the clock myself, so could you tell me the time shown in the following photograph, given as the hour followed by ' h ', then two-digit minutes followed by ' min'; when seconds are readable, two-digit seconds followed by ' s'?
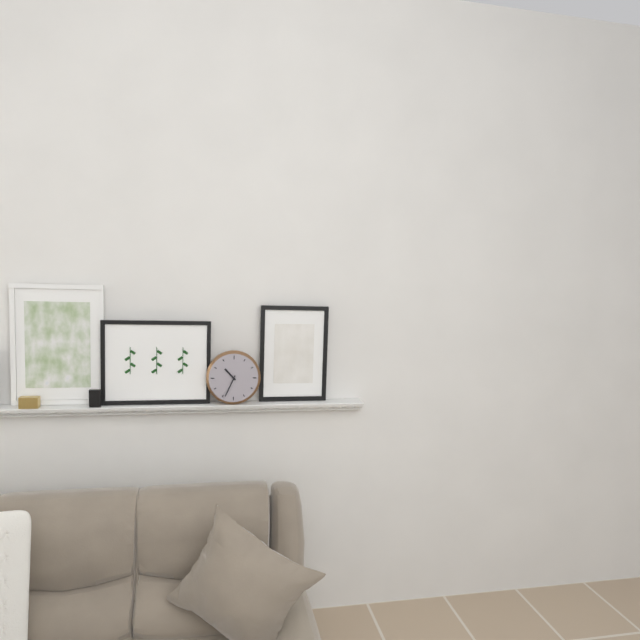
10 h 34 min
